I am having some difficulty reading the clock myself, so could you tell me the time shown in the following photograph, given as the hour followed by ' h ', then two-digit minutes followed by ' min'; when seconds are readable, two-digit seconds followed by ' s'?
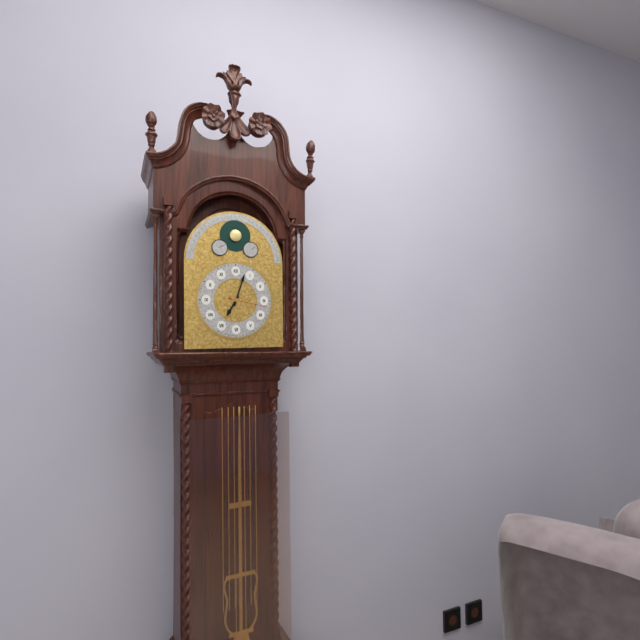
7 h 03 min
